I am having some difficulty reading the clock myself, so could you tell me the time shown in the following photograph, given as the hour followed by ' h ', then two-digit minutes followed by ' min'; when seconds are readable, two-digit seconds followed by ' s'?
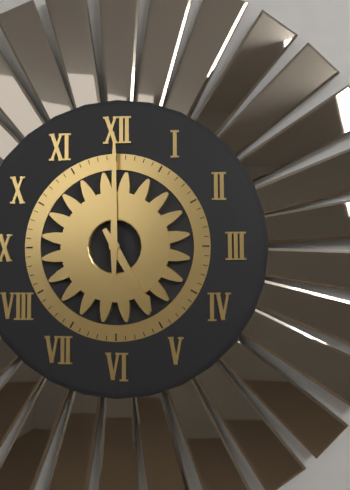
5 h 00 min
